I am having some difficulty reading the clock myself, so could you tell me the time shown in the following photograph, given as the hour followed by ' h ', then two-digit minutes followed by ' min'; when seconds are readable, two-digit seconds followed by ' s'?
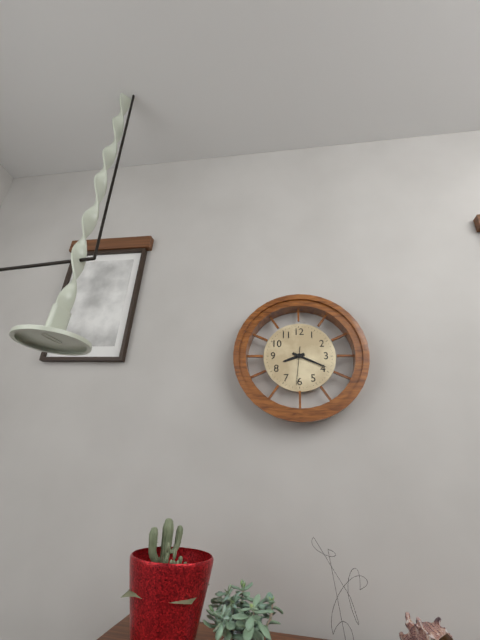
8 h 19 min
